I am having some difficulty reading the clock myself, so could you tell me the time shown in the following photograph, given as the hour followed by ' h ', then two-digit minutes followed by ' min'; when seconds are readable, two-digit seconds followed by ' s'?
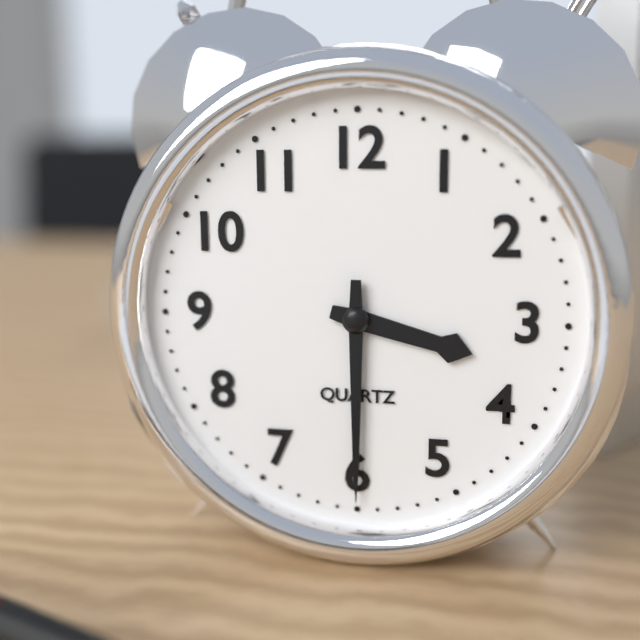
3 h 30 min
